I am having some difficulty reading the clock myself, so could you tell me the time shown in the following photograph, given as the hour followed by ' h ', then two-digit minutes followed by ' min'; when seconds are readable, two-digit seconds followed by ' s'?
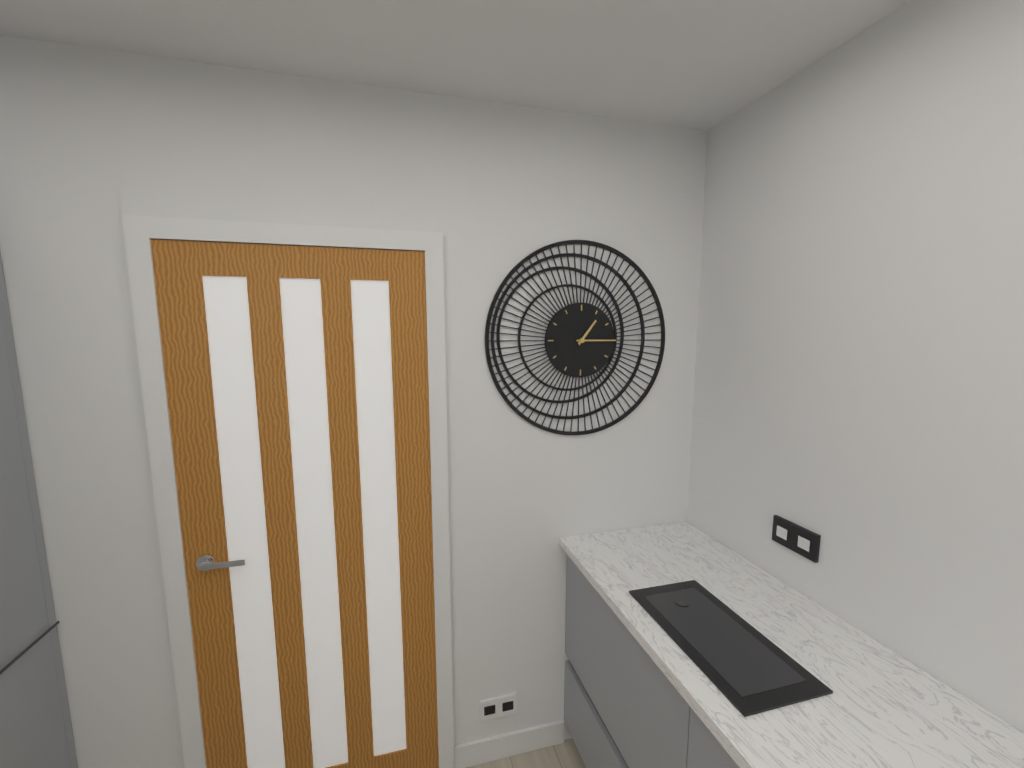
1 h 15 min
